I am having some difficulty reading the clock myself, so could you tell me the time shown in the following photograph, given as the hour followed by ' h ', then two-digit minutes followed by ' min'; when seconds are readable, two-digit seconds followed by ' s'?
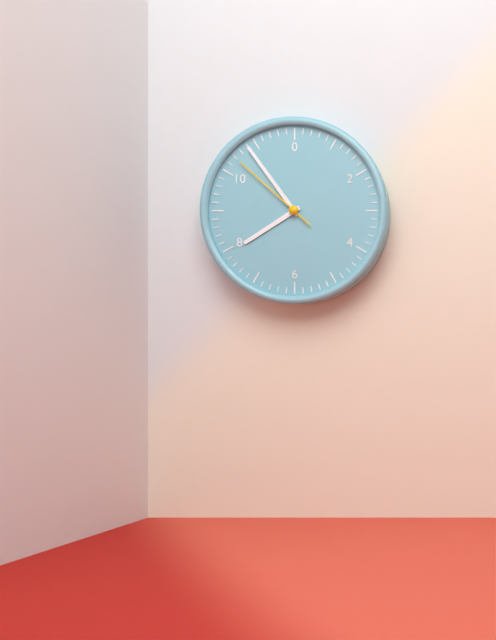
7 h 54 min 52 s
